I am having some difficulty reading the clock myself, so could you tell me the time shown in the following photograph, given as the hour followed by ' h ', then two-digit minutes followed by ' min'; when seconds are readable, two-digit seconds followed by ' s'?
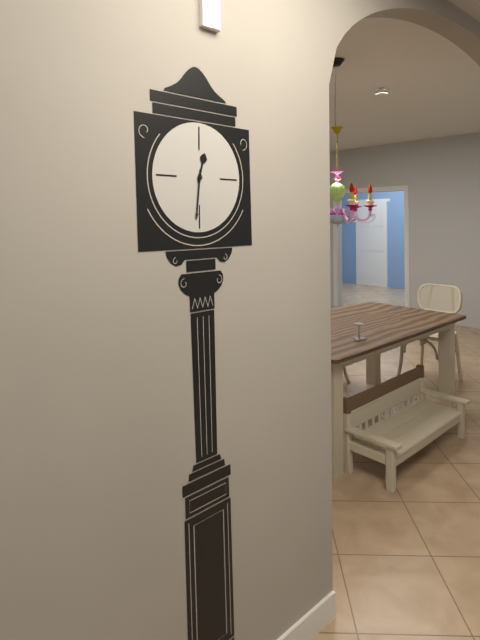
12 h 31 min
